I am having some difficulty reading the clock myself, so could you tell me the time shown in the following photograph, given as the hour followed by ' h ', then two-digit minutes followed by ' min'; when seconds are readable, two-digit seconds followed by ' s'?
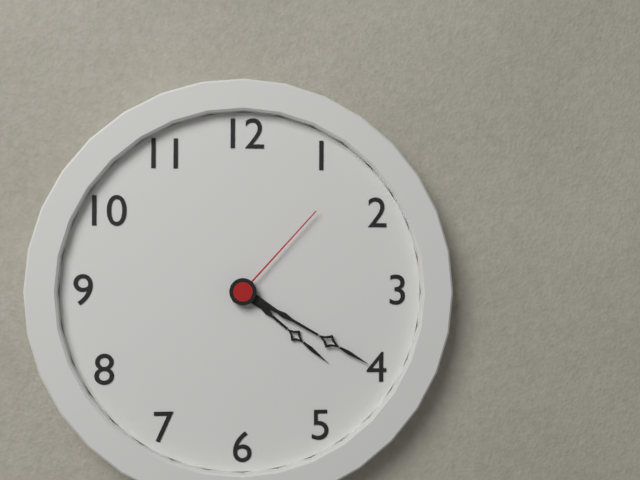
4 h 20 min 07 s
